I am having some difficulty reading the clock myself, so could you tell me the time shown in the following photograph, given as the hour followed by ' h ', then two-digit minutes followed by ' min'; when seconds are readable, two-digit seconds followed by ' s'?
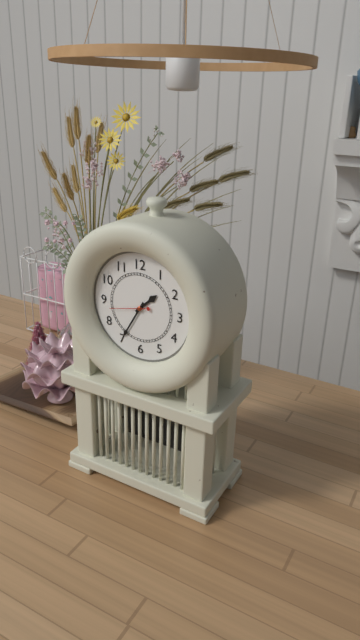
1 h 35 min
